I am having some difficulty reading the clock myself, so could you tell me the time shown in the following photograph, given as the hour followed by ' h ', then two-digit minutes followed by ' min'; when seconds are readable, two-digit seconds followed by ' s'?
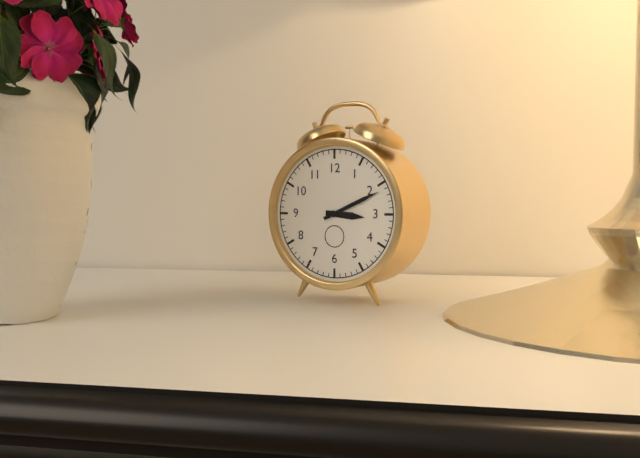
3 h 11 min
